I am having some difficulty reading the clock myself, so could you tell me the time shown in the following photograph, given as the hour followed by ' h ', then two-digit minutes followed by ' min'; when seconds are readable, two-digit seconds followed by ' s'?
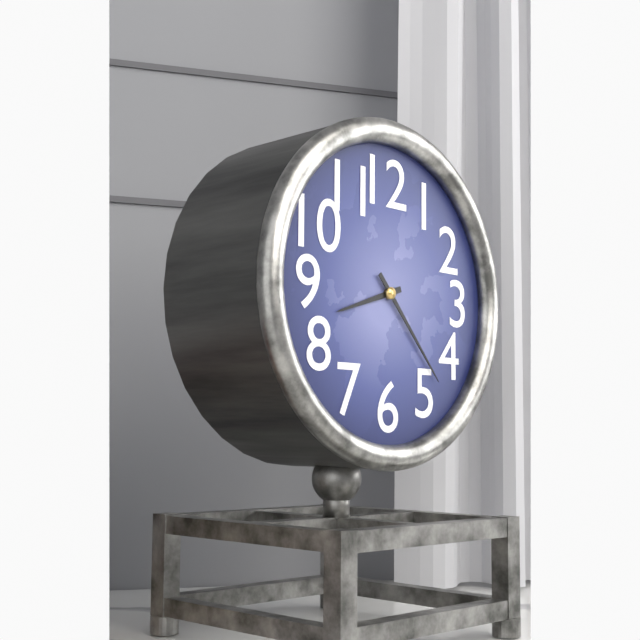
8 h 23 min
